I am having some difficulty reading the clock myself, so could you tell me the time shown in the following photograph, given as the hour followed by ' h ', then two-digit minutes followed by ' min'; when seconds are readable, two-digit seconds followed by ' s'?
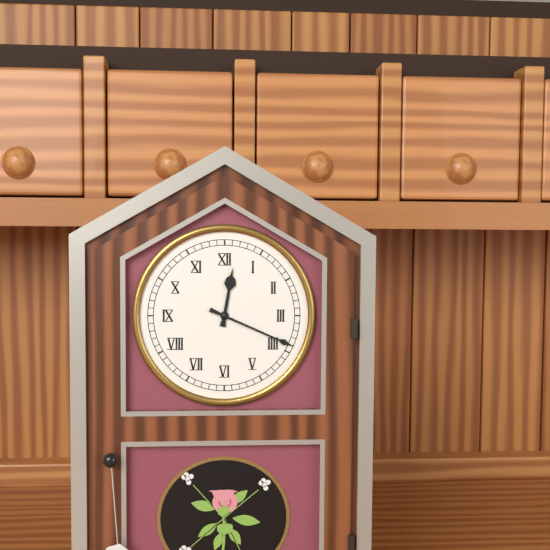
12 h 19 min
